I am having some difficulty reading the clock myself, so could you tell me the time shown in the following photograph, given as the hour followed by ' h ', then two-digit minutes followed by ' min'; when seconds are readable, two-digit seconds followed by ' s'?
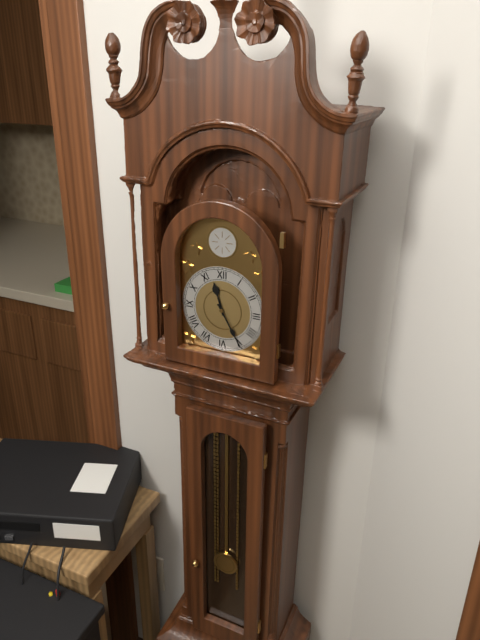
11 h 25 min
